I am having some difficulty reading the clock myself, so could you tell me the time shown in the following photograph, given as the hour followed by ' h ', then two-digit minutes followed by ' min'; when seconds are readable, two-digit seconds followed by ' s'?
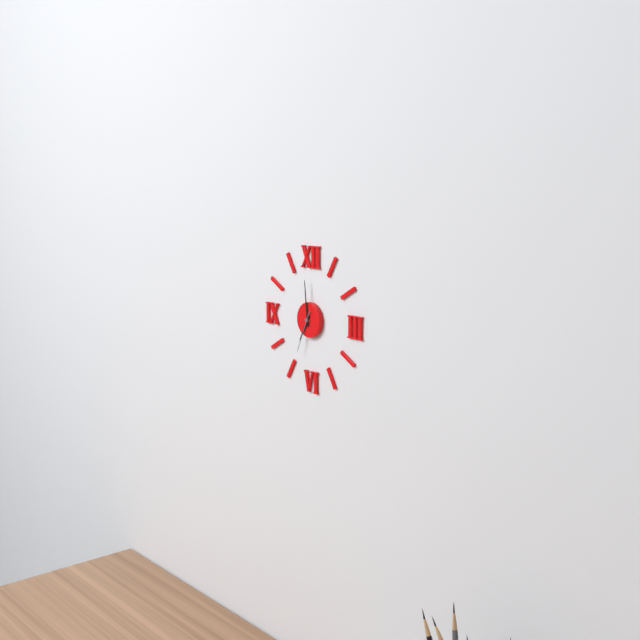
6 h 59 min
